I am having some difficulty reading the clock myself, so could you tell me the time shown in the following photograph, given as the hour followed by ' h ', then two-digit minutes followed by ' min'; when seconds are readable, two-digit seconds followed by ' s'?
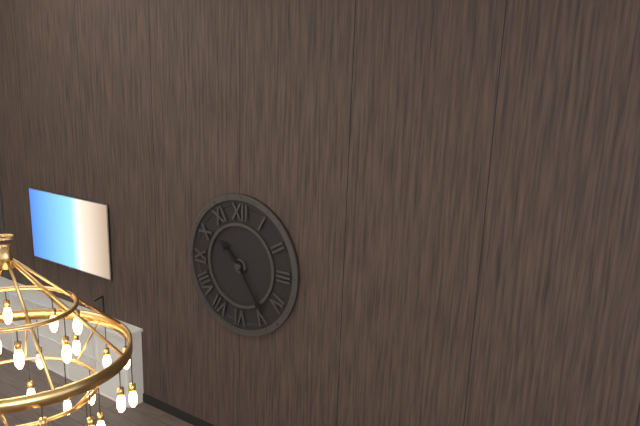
10 h 24 min
